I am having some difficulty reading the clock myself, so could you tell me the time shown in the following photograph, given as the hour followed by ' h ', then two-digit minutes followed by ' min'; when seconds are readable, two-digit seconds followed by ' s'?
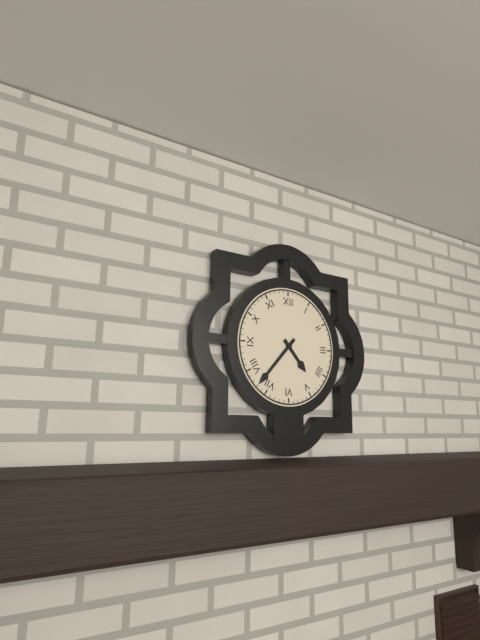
4 h 37 min
